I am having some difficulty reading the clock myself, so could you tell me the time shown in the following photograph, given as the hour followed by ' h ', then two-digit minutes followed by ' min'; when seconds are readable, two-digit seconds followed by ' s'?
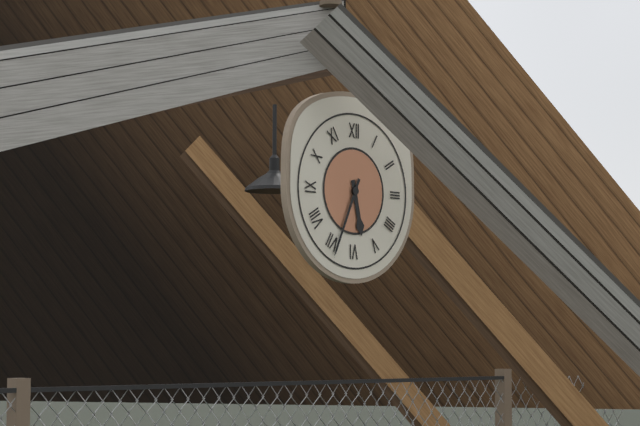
5 h 34 min
